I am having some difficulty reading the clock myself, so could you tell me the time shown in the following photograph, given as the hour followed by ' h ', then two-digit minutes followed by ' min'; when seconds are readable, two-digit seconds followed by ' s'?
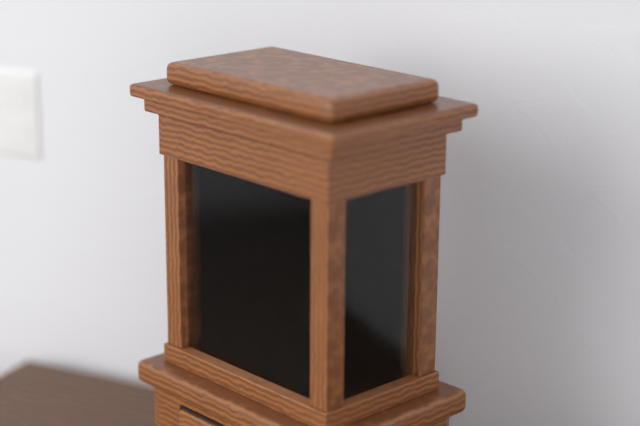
5 h 30 min
